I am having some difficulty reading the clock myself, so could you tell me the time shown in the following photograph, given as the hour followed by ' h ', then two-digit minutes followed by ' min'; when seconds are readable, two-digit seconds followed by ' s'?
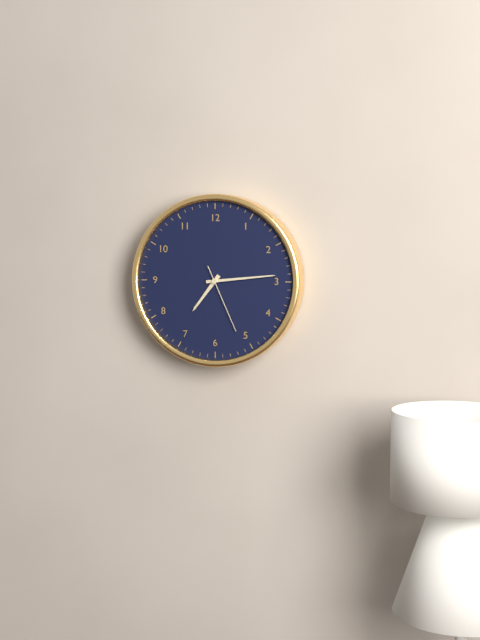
7 h 14 min 26 s
